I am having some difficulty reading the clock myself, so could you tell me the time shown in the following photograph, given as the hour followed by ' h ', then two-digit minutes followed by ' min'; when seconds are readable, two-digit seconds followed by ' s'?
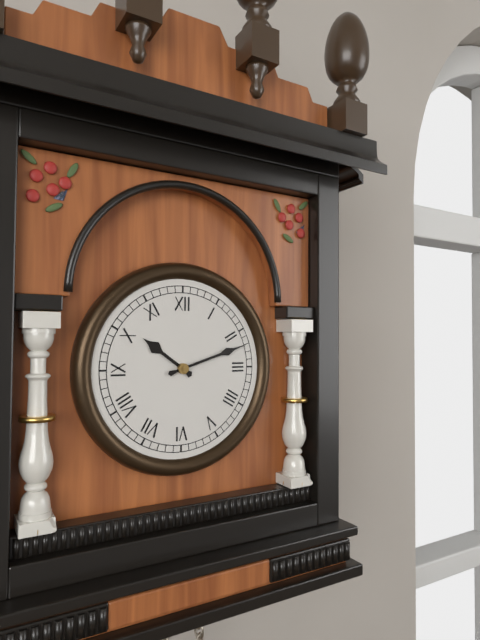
10 h 12 min
